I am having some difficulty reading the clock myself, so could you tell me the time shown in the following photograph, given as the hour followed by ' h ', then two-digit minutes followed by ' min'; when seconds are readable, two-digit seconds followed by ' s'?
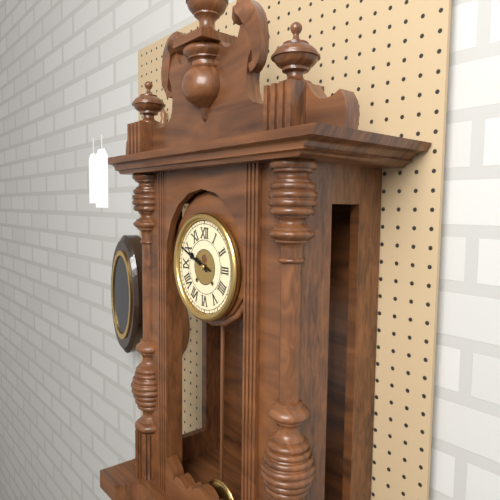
9 h 49 min
